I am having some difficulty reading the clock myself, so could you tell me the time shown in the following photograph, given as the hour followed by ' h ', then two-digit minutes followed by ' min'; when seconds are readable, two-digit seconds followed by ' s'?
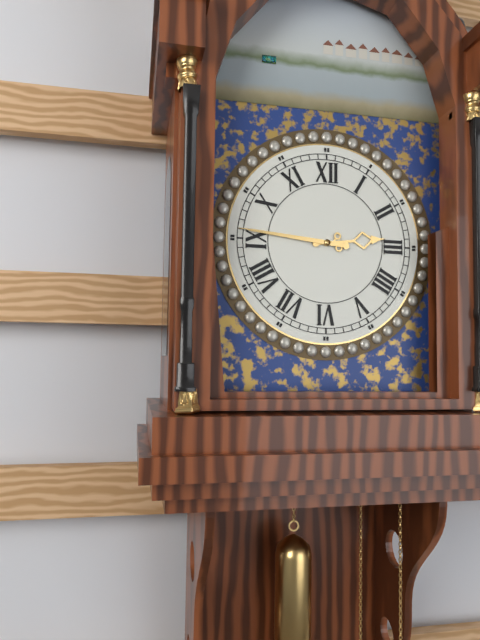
2 h 46 min
